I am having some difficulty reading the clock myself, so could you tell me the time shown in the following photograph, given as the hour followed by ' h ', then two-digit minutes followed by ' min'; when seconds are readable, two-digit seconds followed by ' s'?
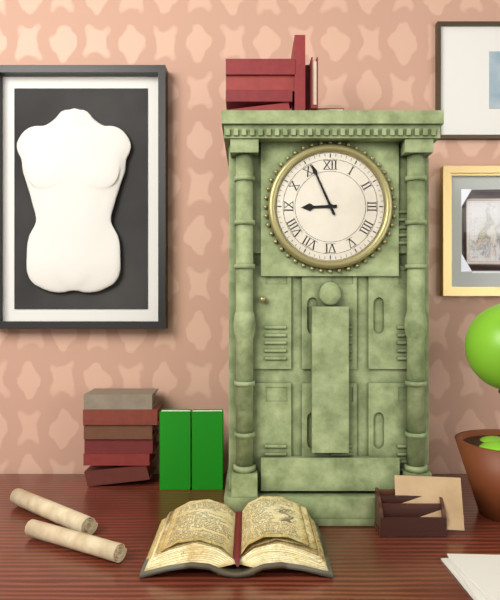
8 h 56 min
